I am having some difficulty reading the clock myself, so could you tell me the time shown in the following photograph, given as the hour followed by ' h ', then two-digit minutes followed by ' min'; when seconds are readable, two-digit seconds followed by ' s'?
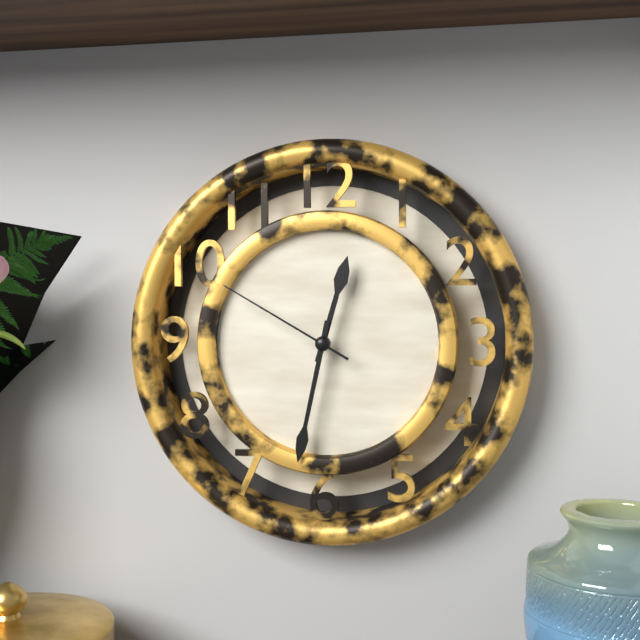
12 h 32 min 50 s
